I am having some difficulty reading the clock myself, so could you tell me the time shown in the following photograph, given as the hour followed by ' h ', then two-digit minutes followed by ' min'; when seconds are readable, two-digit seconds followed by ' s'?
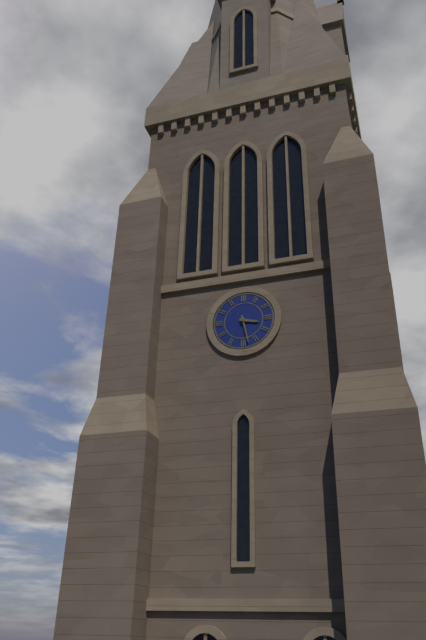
3 h 28 min
